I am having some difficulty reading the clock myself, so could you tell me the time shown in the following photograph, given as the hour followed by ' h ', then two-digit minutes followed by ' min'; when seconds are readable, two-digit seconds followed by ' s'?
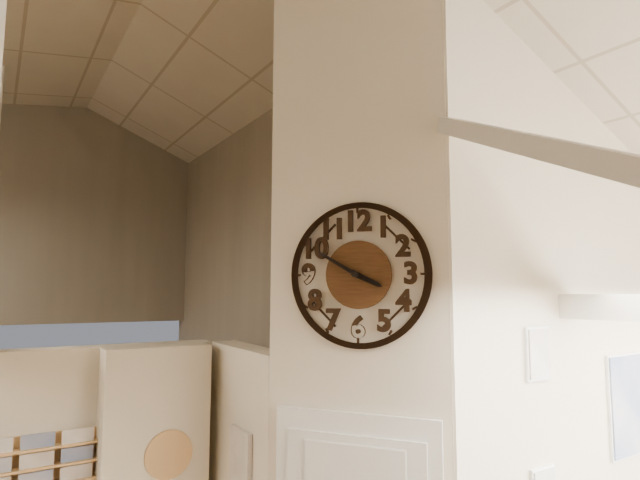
3 h 50 min
